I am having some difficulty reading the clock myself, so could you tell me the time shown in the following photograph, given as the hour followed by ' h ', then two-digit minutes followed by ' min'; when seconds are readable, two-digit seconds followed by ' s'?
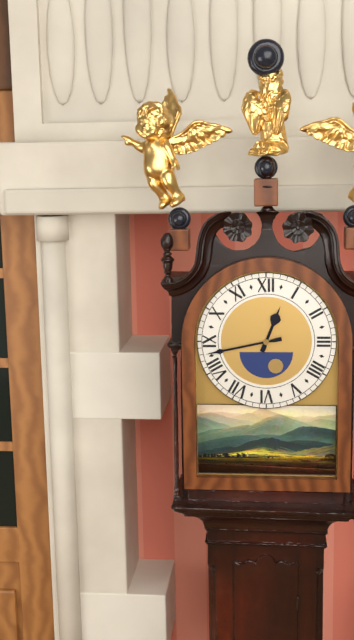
12 h 43 min
